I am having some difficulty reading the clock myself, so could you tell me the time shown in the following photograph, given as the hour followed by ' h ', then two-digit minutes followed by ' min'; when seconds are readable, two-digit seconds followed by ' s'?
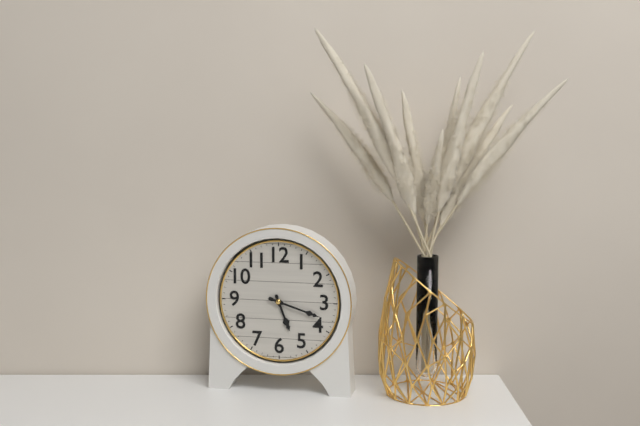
5 h 18 min
